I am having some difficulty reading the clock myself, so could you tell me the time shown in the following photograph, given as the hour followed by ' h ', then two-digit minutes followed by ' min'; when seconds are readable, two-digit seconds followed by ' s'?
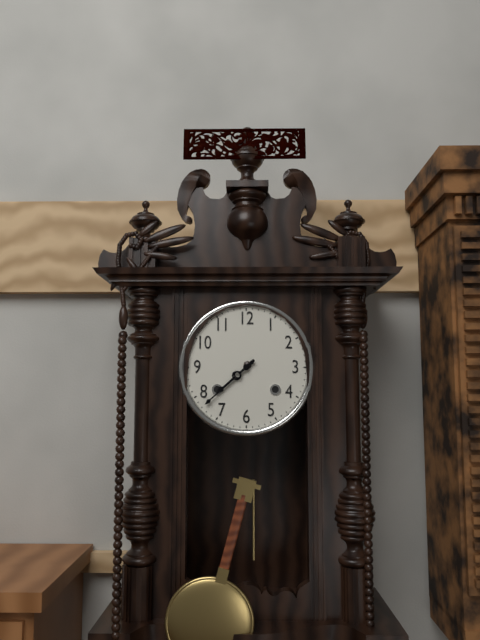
7 h 38 min
